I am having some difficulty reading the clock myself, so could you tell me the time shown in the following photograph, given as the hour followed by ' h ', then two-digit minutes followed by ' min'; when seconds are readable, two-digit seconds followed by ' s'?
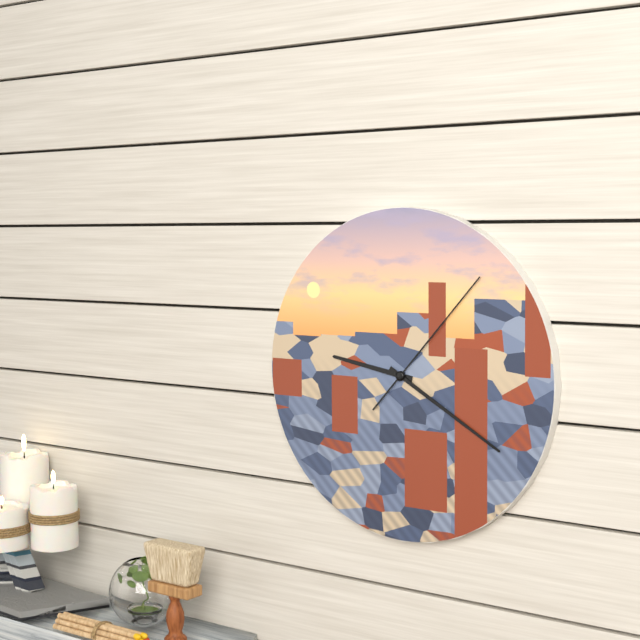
9 h 20 min 07 s
